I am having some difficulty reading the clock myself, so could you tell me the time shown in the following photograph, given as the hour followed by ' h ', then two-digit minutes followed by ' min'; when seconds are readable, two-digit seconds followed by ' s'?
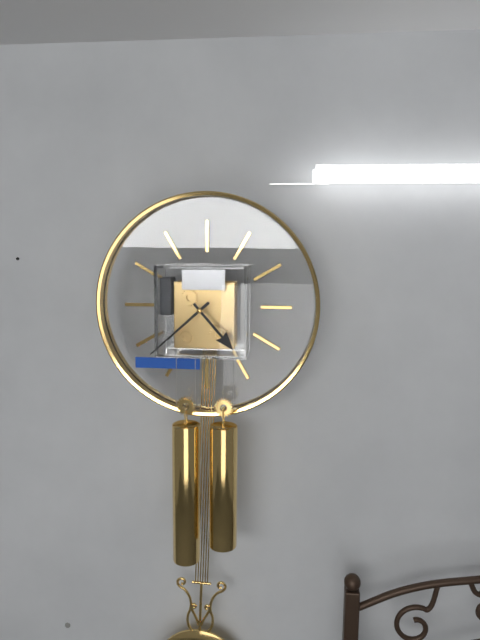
4 h 38 min
